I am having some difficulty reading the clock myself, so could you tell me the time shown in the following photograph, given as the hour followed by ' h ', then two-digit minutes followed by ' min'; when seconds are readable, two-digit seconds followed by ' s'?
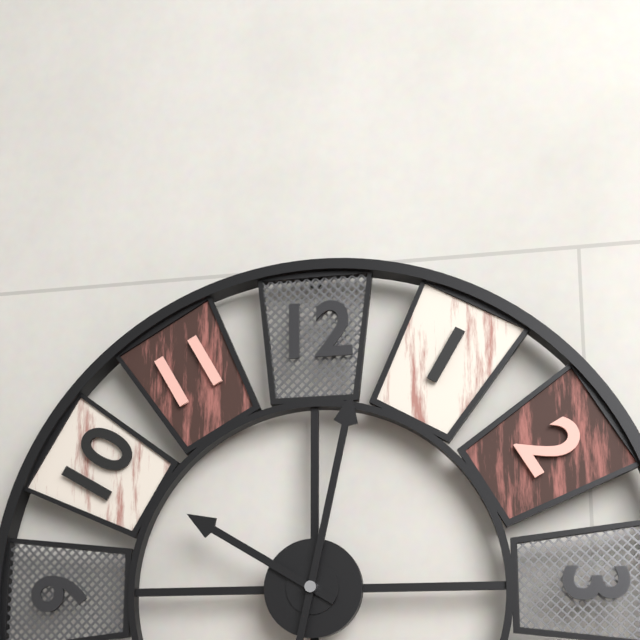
10 h 02 min
